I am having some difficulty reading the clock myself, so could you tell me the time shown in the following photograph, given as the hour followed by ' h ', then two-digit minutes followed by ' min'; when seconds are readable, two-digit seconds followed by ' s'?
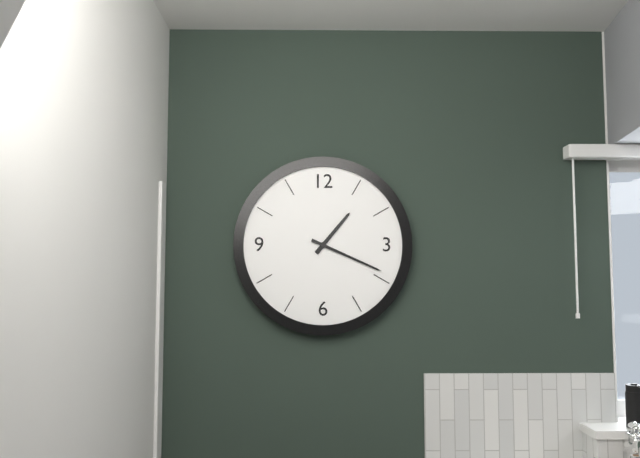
1 h 19 min
